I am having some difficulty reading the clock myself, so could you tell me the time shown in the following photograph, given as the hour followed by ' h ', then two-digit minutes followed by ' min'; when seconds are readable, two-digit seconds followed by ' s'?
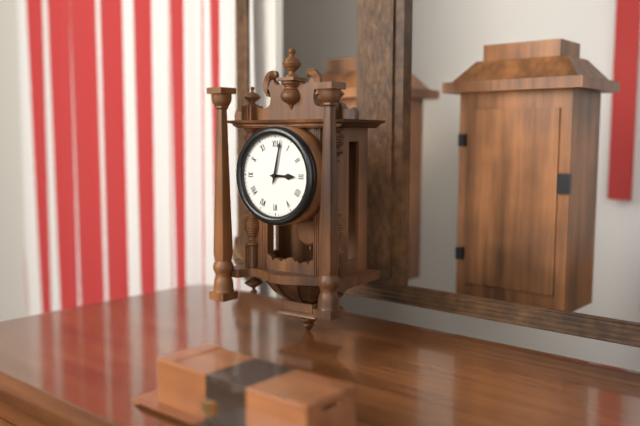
3 h 02 min
